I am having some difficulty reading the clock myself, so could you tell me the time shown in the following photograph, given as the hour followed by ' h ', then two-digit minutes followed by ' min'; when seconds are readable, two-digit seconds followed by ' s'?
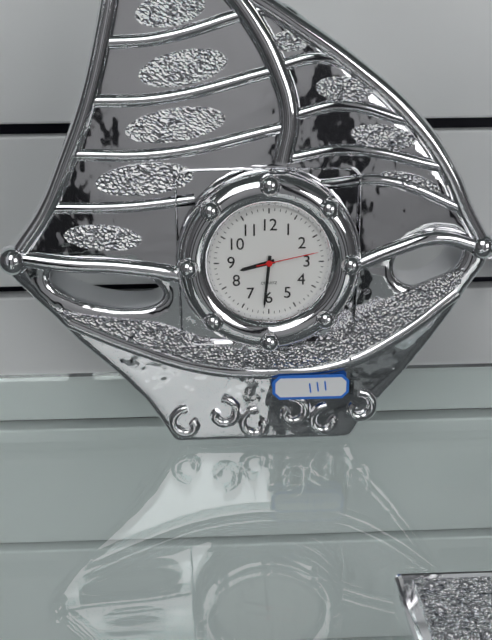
8 h 31 min 13 s
